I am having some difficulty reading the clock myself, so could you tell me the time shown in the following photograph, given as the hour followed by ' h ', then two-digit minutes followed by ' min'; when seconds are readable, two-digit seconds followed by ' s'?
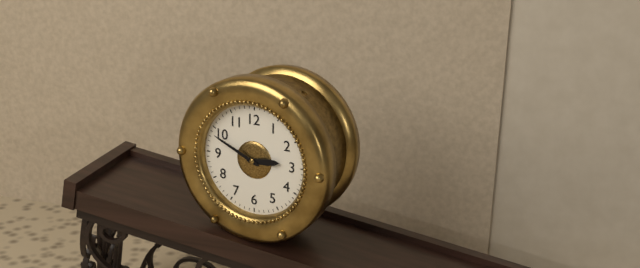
2 h 49 min
